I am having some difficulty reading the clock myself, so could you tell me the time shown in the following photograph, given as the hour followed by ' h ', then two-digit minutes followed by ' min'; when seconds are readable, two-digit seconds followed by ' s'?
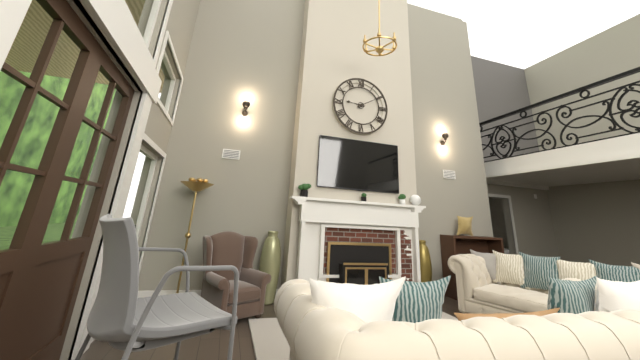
9 h 10 min
